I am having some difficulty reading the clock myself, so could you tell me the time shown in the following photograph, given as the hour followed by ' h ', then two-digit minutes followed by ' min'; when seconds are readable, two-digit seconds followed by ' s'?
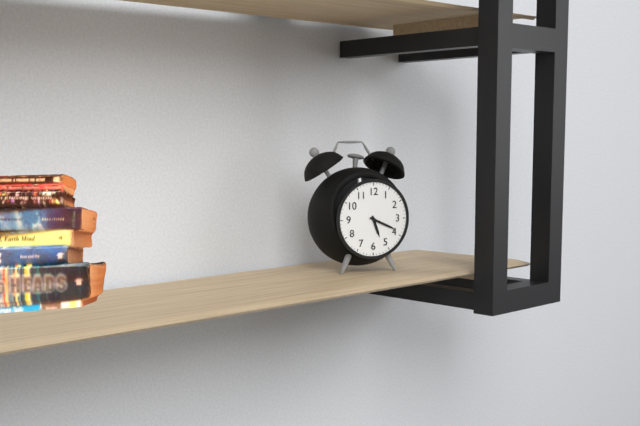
5 h 19 min
